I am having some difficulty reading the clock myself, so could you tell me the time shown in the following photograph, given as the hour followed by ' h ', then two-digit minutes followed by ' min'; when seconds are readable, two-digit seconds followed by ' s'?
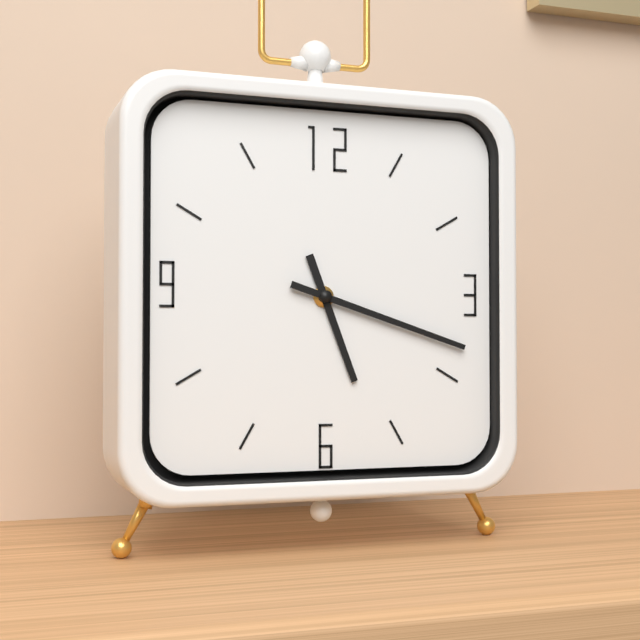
5 h 18 min
